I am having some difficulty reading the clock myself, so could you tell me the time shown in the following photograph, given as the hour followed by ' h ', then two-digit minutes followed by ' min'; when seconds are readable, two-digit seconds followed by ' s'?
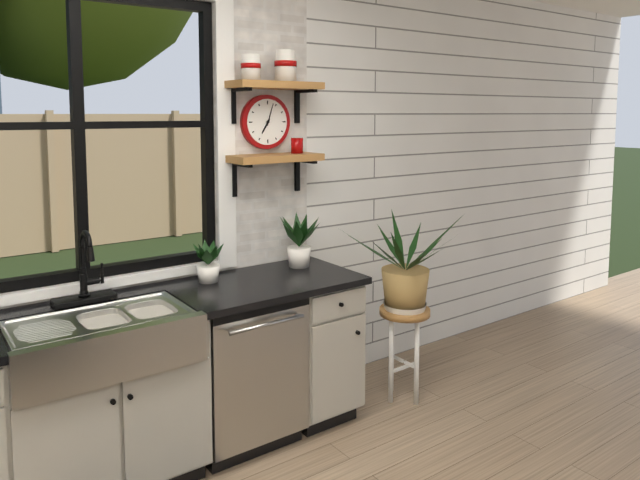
7 h 03 min
